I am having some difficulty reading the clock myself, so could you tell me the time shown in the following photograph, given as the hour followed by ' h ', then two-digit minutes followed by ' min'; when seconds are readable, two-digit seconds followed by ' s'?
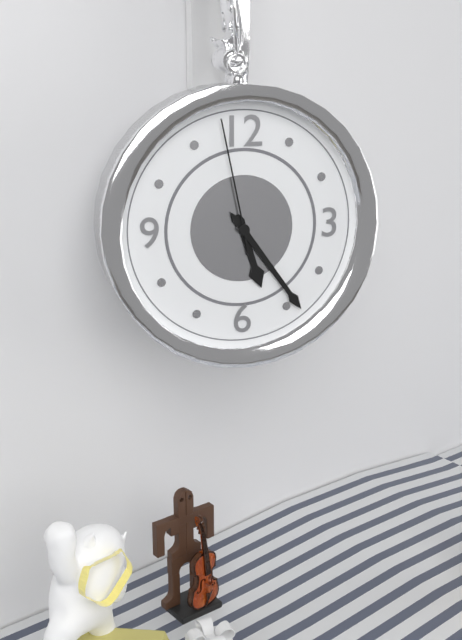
5 h 24 min 58 s
